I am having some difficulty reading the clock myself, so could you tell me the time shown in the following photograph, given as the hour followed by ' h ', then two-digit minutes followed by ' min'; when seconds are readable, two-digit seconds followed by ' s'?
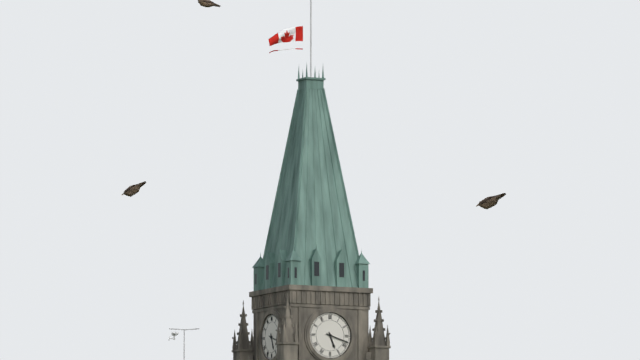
5 h 18 min
